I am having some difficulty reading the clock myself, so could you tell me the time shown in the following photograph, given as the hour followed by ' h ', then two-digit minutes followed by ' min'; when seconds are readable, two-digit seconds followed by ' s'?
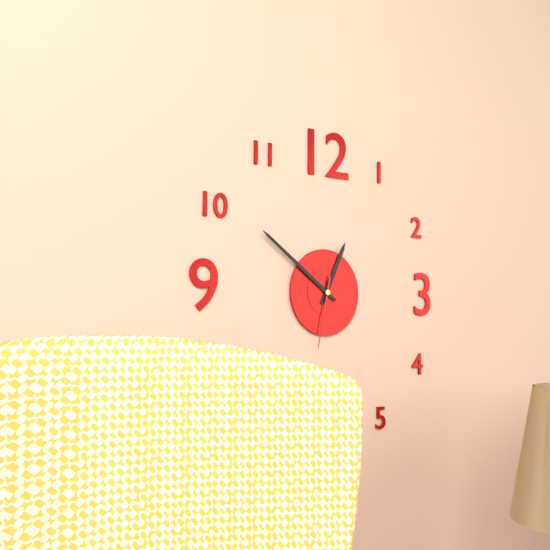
12 h 51 min 32 s
